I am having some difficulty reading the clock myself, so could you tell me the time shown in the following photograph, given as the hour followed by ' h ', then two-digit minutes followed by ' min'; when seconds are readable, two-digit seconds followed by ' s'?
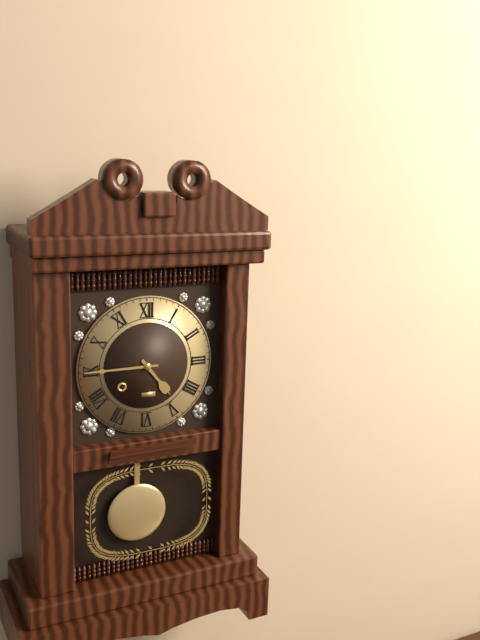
4 h 45 min
